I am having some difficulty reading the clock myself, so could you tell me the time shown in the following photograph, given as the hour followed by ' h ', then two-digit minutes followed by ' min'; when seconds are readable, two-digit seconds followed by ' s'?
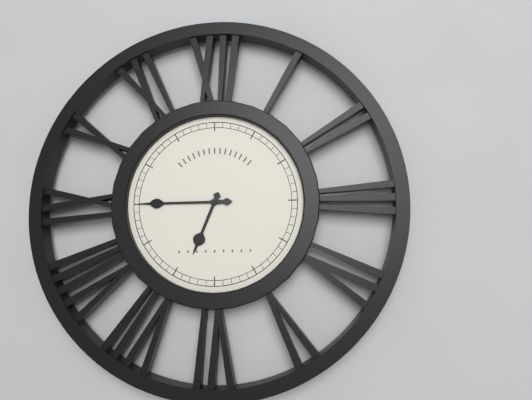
6 h 45 min
